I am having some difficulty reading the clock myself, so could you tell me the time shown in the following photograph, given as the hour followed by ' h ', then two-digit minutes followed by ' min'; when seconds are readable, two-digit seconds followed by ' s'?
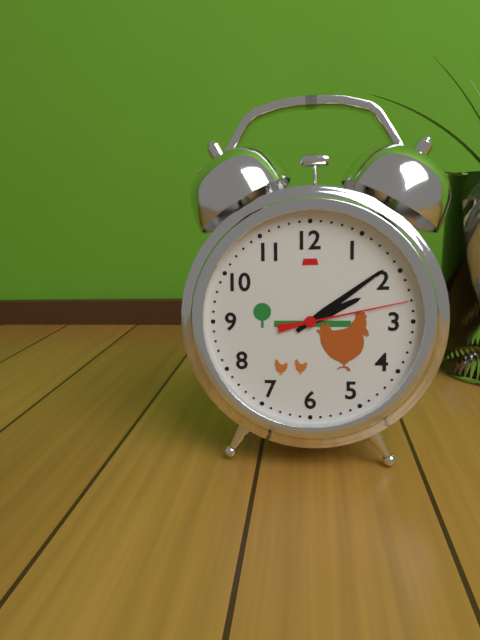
2 h 09 min 13 s
